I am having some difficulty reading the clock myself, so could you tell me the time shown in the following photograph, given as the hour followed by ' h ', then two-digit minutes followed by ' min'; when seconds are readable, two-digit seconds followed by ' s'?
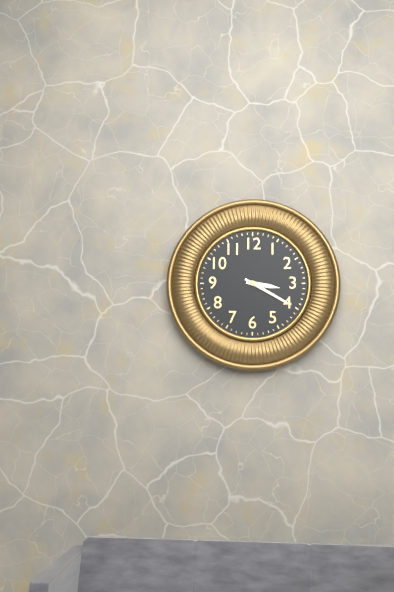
3 h 20 min
